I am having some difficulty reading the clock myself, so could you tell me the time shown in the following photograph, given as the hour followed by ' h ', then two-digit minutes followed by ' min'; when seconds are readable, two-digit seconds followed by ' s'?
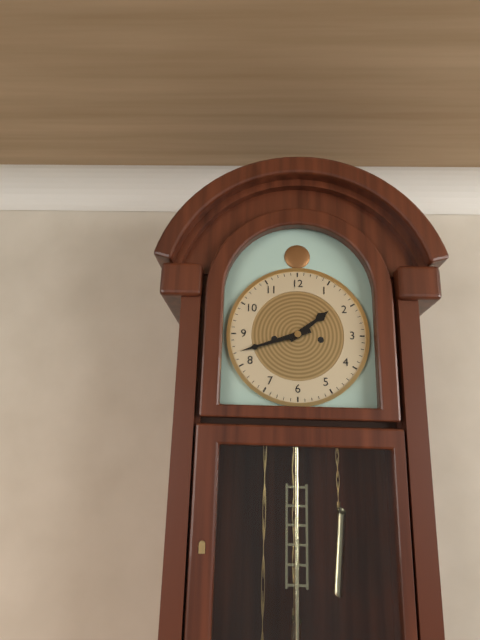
1 h 42 min
